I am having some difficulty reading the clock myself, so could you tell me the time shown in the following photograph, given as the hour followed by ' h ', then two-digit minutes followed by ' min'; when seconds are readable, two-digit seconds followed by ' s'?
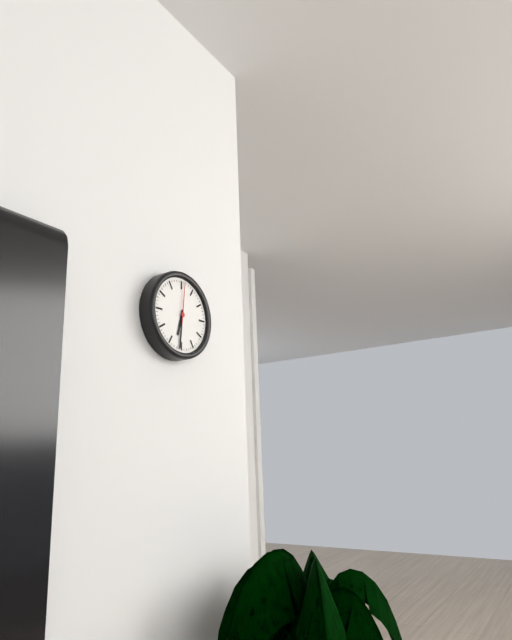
6 h 31 min
